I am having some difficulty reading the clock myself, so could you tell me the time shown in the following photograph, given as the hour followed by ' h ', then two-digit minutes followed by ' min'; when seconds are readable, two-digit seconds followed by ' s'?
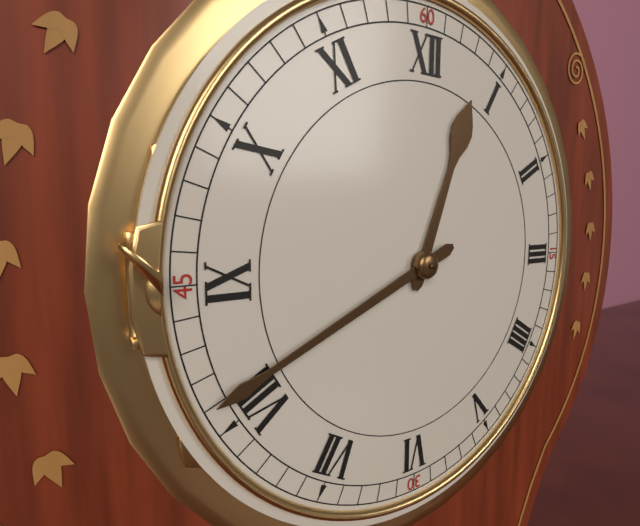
12 h 41 min
